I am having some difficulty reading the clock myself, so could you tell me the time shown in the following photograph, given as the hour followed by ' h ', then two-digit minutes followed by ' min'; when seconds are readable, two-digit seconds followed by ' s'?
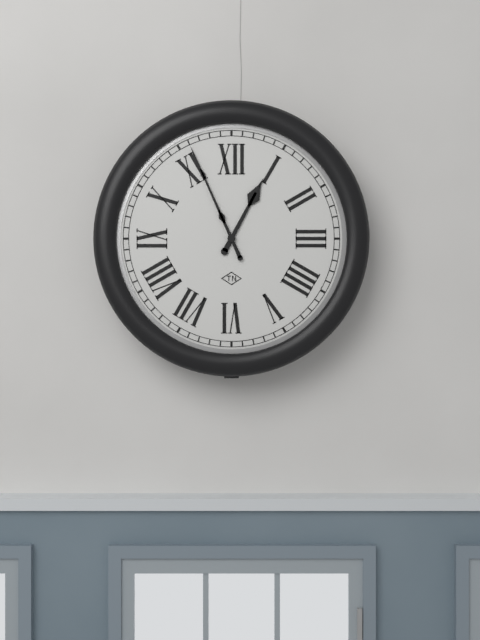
12 h 56 min
